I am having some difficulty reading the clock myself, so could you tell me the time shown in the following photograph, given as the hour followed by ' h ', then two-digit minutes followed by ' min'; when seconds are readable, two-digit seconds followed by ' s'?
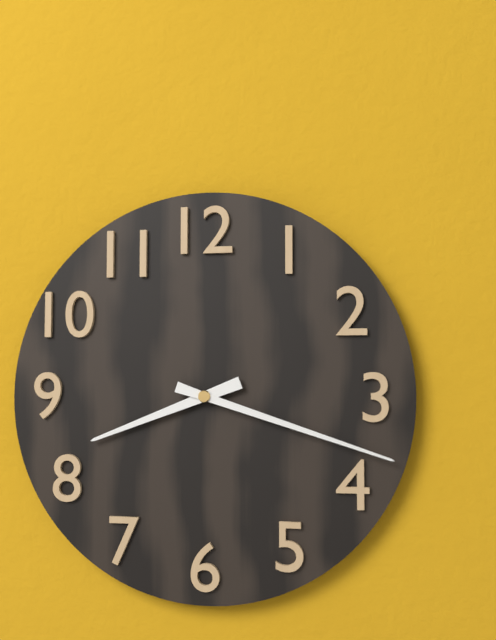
8 h 18 min
